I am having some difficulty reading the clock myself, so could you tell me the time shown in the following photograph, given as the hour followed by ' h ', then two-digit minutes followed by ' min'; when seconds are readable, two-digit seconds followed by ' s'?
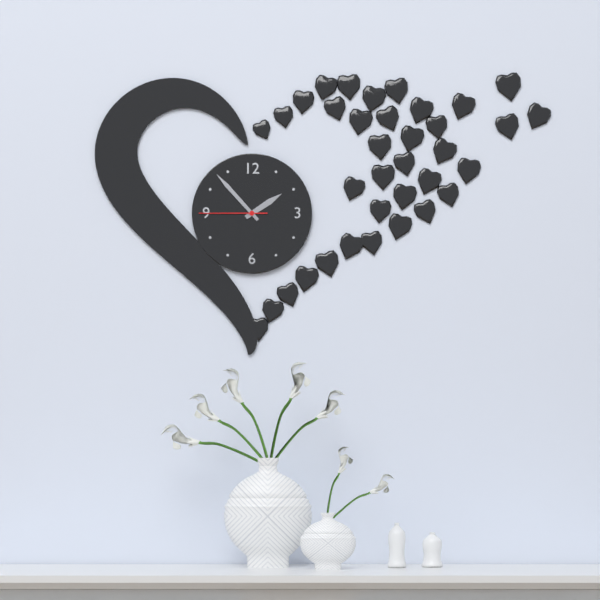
1 h 53 min 45 s
